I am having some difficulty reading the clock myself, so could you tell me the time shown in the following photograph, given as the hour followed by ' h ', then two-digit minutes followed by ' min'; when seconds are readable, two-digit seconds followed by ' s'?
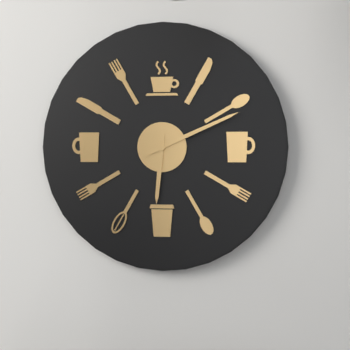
6 h 11 min
